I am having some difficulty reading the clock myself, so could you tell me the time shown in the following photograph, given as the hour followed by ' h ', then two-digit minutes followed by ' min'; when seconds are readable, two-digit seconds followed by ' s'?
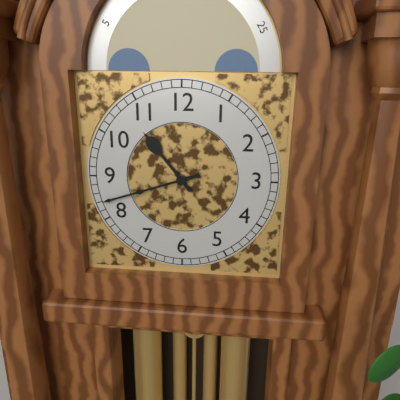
10 h 42 min
